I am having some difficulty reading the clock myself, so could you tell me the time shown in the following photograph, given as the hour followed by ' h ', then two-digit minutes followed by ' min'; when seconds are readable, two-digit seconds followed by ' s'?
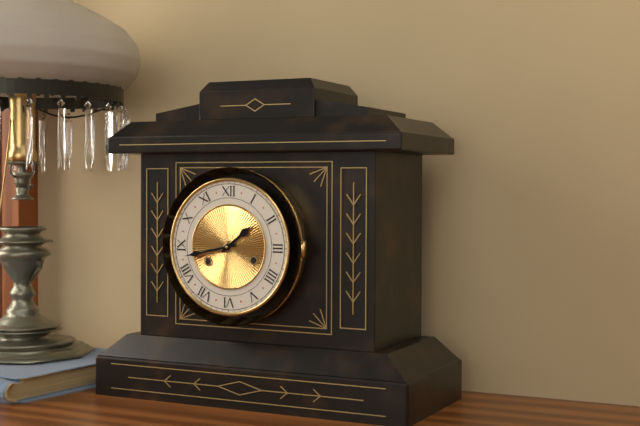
1 h 43 min
